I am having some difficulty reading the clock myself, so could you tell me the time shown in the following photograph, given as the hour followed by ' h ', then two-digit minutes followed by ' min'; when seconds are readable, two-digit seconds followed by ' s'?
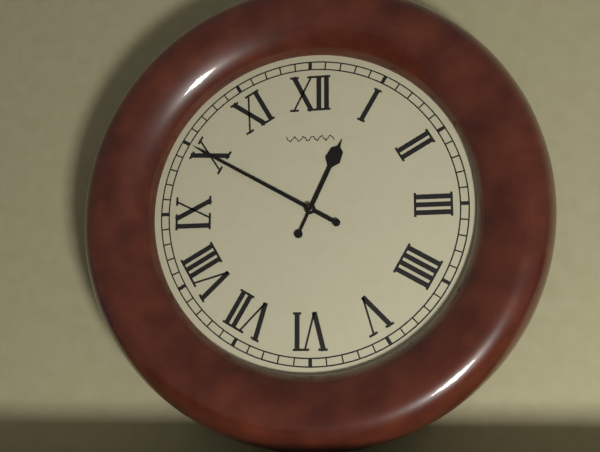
12 h 50 min
